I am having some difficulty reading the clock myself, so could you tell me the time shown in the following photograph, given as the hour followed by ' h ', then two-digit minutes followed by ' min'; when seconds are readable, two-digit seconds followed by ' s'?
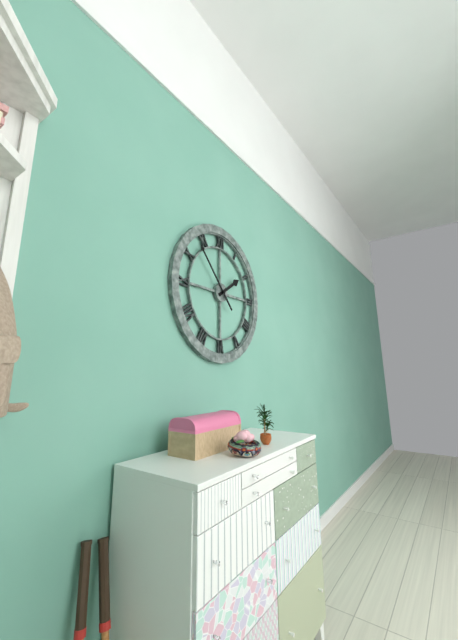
1 h 53 min
